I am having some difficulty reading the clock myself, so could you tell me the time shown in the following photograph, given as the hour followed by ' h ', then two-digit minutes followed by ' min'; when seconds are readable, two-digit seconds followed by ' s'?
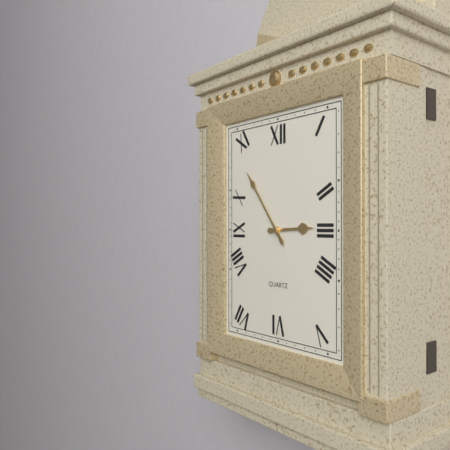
2 h 54 min
